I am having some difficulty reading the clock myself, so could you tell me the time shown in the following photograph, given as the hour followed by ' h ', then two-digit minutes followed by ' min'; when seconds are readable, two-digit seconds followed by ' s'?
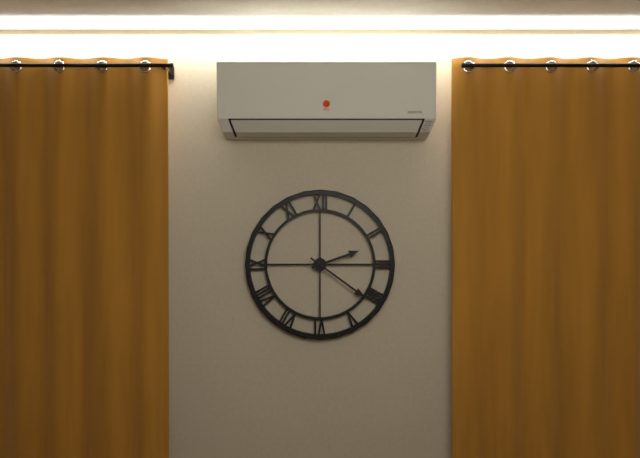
2 h 21 min
